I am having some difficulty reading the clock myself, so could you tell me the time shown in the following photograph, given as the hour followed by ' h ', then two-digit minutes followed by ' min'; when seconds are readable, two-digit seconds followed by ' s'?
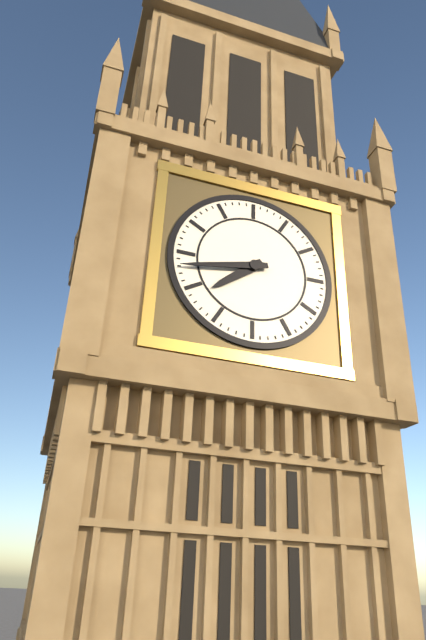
7 h 43 min
